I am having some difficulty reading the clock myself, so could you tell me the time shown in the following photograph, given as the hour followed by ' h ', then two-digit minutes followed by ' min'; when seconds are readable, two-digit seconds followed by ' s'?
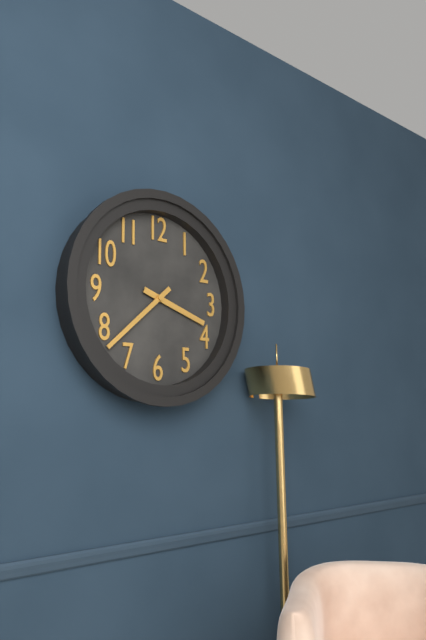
3 h 38 min
